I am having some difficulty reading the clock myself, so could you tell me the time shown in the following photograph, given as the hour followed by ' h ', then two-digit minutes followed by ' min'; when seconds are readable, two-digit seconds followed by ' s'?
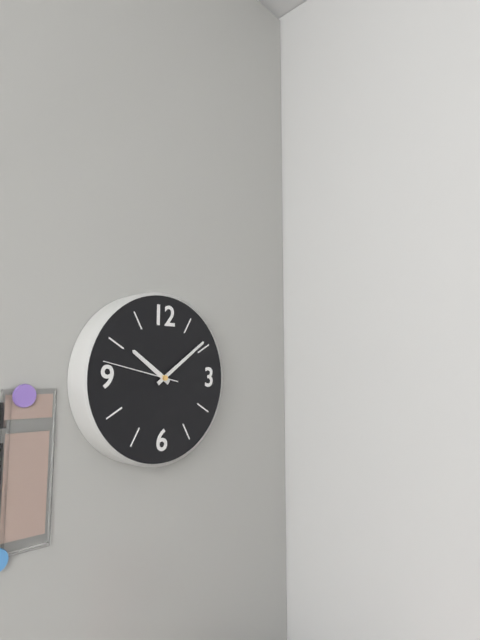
10 h 09 min 47 s
